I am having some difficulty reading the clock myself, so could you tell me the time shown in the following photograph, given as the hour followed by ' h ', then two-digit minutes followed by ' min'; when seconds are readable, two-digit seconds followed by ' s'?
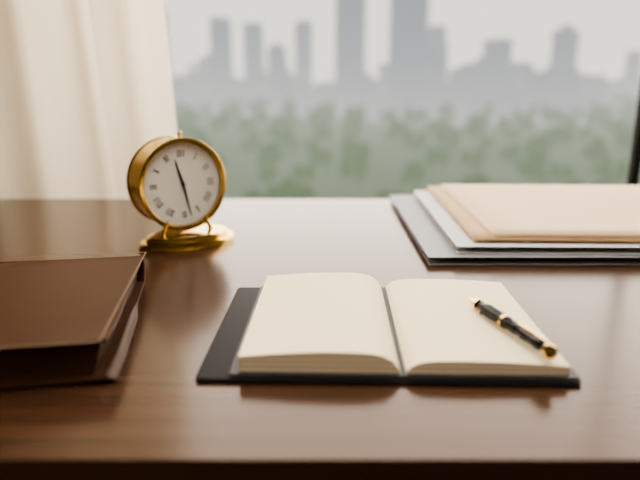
11 h 28 min
